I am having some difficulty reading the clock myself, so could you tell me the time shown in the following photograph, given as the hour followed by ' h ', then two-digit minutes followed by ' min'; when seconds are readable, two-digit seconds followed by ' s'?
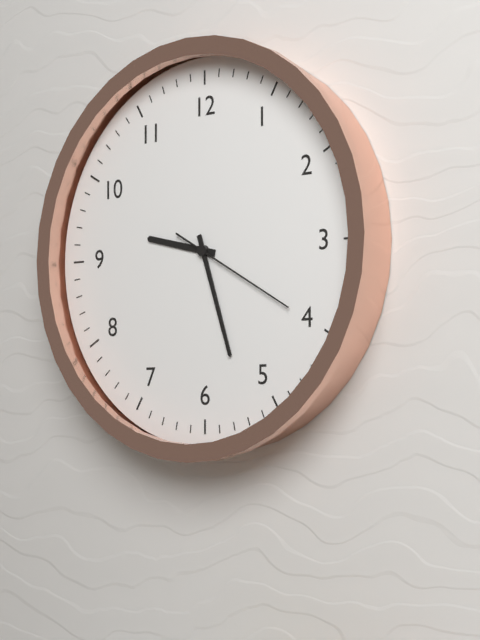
9 h 27 min 20 s
